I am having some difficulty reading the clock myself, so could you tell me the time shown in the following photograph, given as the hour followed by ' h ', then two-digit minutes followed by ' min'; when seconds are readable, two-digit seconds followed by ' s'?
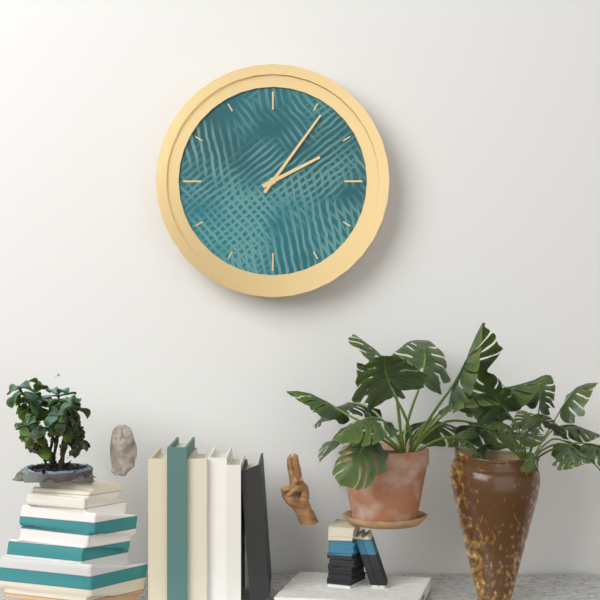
2 h 06 min
